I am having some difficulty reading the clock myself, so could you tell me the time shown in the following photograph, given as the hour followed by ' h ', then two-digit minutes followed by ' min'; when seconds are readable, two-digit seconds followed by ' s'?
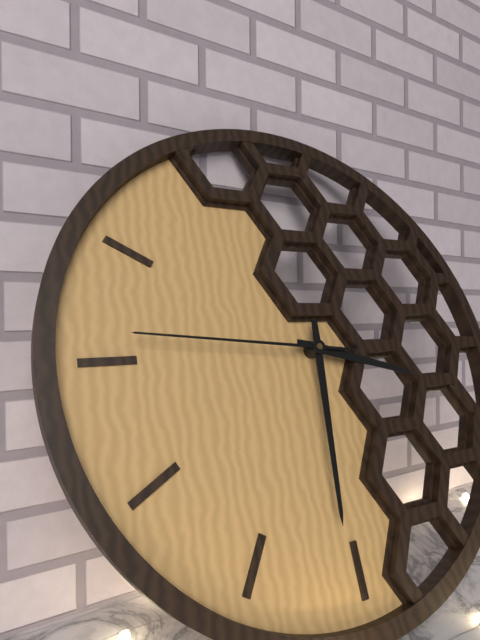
3 h 31 min 46 s
